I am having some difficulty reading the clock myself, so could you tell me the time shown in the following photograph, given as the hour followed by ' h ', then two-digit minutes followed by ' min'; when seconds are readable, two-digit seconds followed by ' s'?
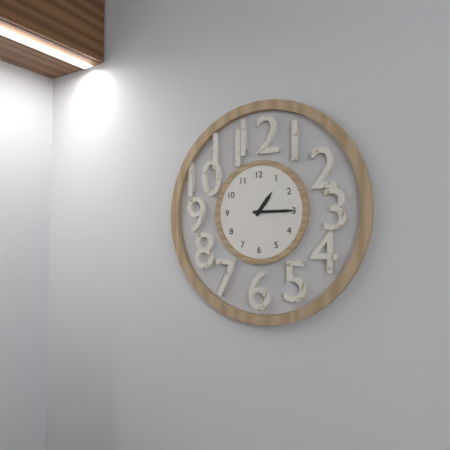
1 h 15 min
